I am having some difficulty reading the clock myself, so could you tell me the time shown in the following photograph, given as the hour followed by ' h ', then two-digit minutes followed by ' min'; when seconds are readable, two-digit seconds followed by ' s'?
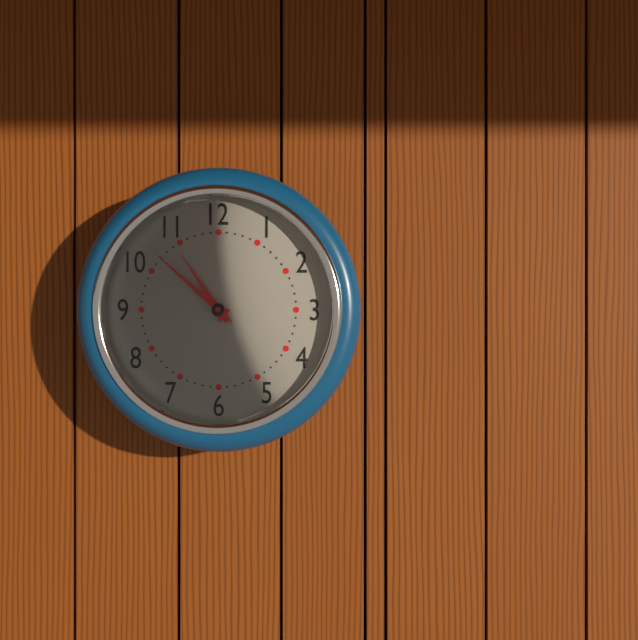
10 h 52 min
